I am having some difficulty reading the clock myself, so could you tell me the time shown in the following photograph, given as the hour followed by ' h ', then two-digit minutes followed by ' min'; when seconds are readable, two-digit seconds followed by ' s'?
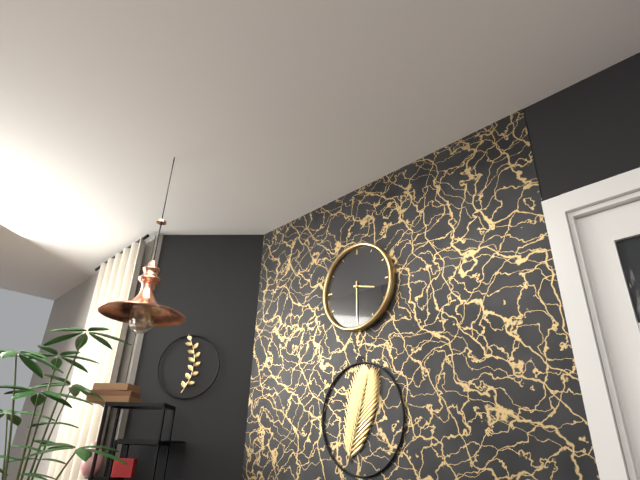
3 h 30 min
